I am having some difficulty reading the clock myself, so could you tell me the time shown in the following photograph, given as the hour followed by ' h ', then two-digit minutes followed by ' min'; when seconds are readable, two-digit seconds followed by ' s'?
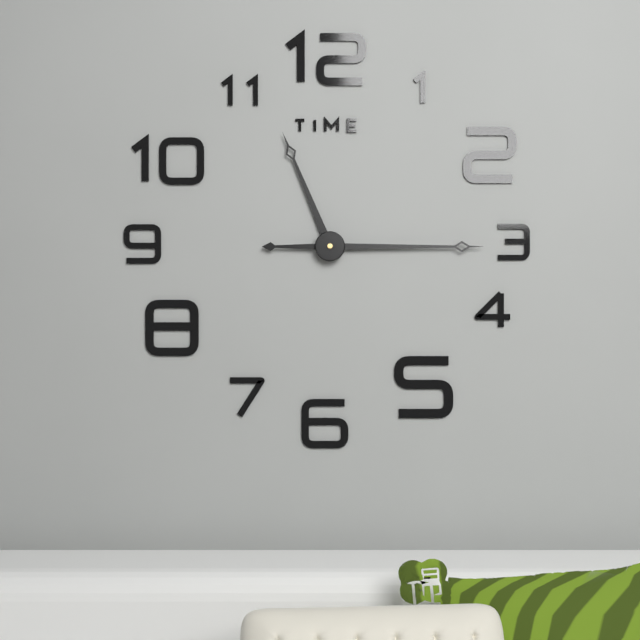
11 h 15 min
